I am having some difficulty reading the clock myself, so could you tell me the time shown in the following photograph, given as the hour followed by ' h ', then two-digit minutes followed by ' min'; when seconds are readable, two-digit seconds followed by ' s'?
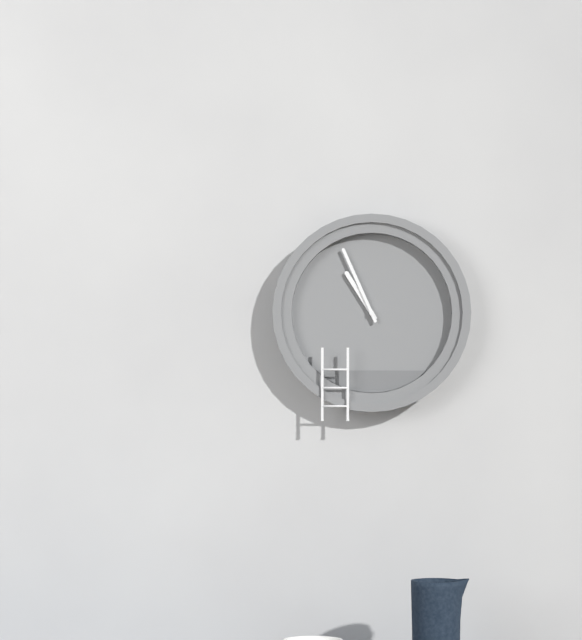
10 h 56 min
